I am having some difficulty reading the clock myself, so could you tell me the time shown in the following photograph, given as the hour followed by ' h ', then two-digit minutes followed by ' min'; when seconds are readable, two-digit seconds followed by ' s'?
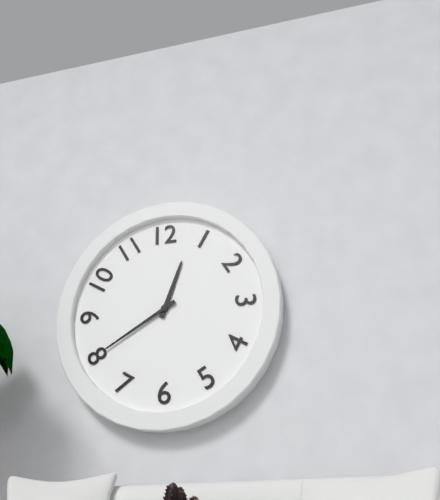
12 h 40 min
